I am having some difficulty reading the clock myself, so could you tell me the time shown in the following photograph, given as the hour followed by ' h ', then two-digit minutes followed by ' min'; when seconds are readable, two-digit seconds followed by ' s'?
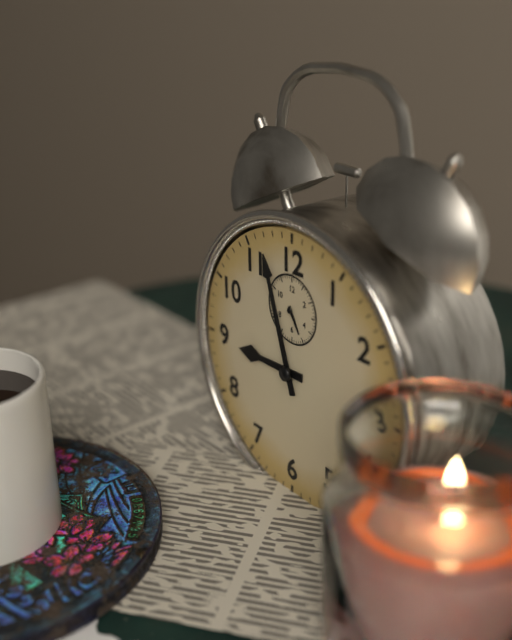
8 h 57 min
